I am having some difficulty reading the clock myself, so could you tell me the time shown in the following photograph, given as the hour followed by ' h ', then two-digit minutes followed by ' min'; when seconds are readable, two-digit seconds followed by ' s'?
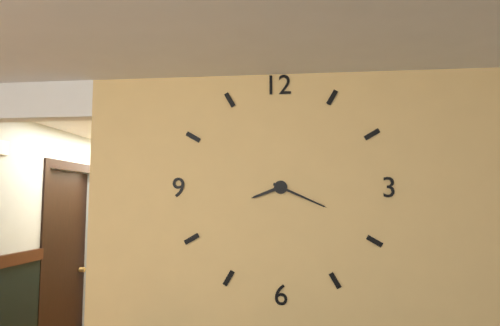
8 h 19 min
